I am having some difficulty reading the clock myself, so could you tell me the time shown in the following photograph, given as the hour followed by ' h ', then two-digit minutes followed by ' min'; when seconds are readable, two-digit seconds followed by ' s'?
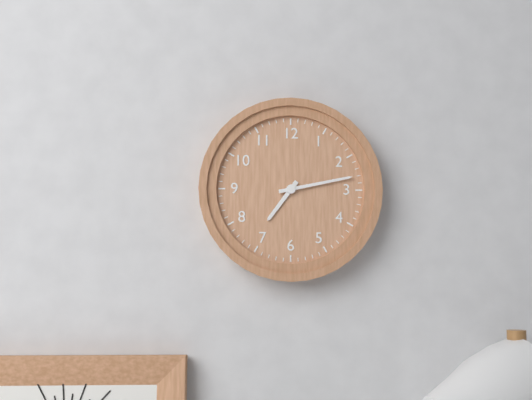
7 h 13 min
